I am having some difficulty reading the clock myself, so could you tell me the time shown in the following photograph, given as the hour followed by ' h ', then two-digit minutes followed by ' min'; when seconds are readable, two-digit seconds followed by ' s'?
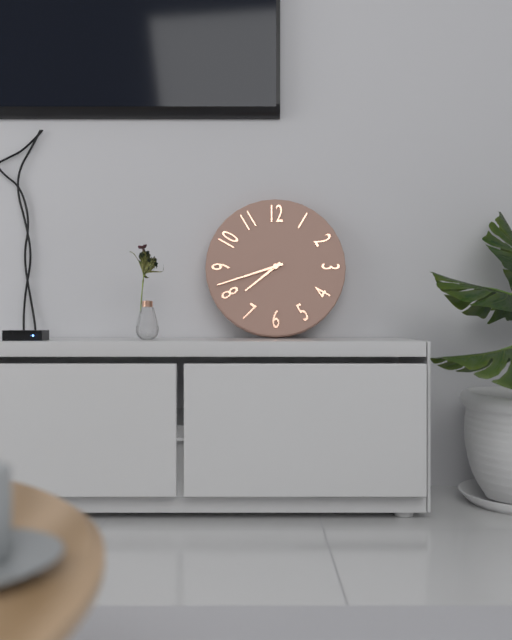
7 h 42 min
